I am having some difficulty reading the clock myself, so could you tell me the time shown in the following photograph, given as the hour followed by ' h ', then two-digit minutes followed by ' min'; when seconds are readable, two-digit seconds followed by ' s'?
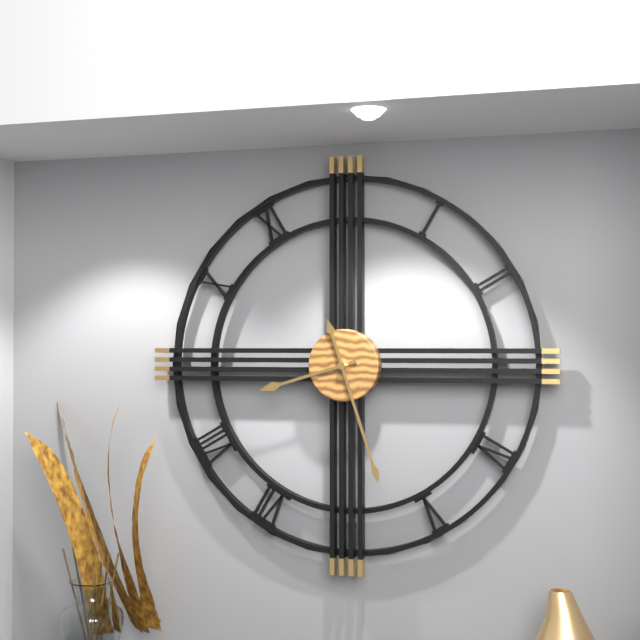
8 h 27 min
